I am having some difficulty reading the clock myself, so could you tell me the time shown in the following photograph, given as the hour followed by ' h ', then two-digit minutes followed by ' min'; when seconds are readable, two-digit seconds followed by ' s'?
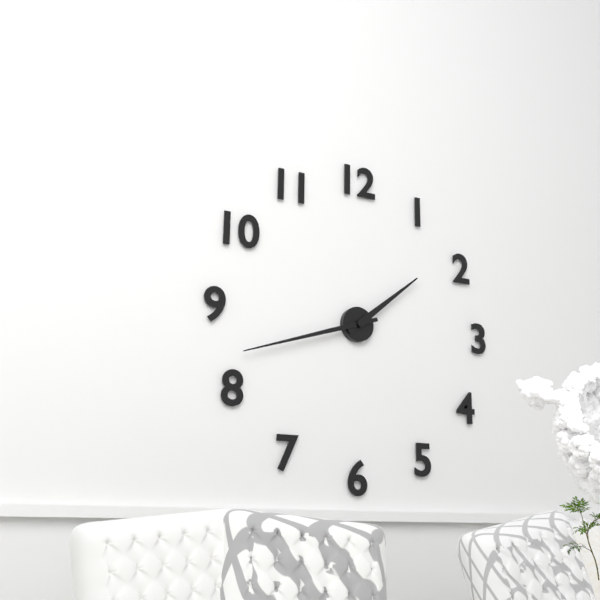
1 h 42 min
